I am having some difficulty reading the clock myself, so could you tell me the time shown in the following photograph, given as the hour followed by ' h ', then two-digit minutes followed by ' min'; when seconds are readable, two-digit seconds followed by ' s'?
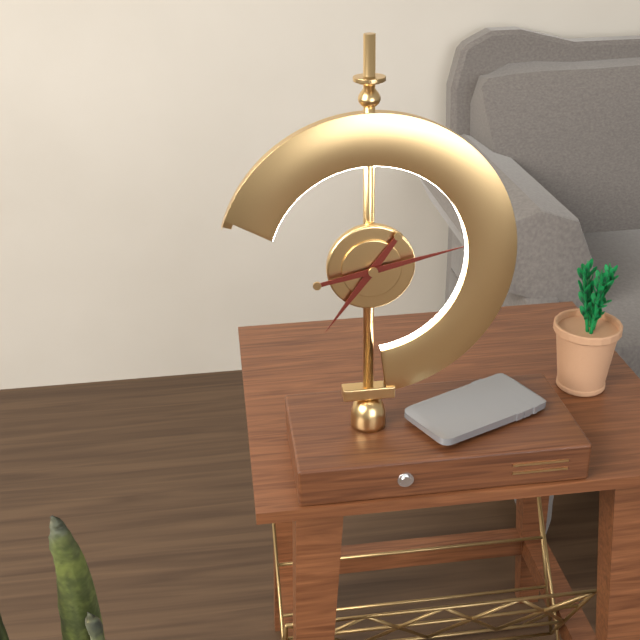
7 h 13 min
